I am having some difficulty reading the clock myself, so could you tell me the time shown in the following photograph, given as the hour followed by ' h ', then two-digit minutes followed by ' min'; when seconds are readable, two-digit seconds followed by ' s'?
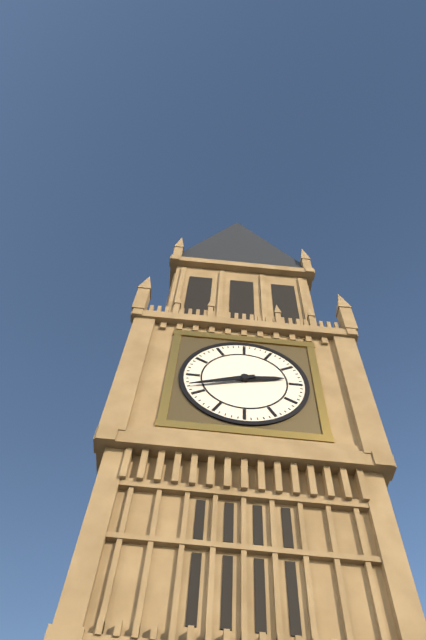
2 h 42 min
